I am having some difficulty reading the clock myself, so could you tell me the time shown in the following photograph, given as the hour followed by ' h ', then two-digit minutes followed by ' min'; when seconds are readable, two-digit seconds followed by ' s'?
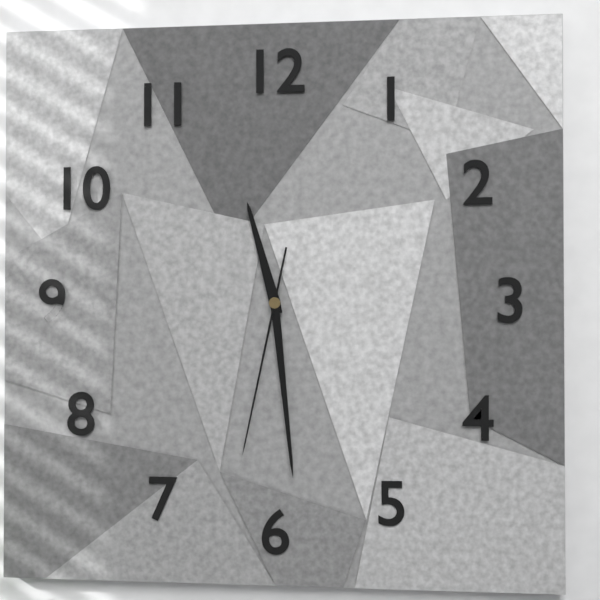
11 h 29 min 32 s
